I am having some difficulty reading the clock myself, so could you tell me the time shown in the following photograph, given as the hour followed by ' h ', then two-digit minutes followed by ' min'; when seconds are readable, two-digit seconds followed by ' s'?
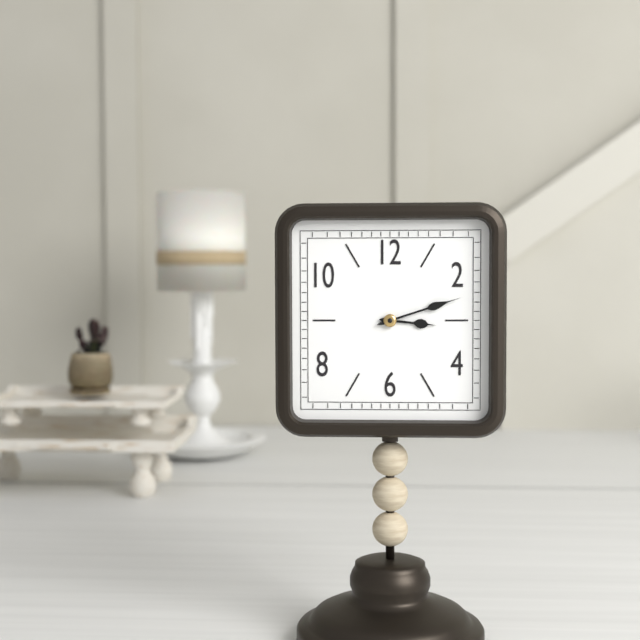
3 h 12 min
